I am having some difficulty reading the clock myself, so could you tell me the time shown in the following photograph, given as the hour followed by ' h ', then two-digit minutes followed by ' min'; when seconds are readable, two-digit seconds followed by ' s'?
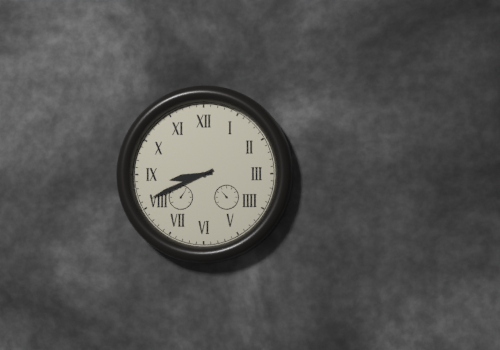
8 h 41 min
